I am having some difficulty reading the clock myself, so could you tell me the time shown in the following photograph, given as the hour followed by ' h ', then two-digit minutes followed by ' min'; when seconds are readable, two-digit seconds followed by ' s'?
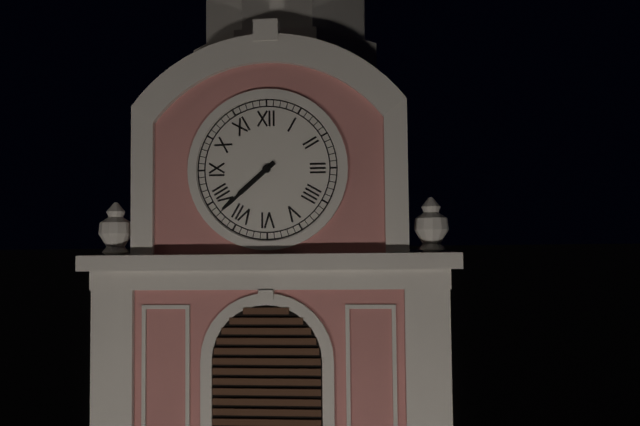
7 h 38 min
